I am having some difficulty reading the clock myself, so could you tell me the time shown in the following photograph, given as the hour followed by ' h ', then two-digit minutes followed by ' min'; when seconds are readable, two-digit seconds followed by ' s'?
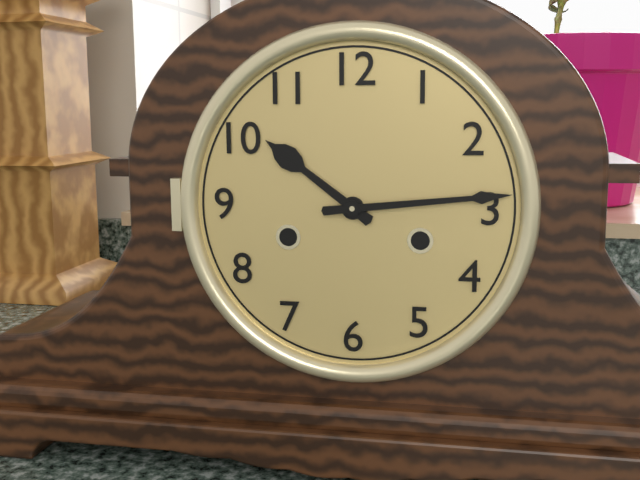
10 h 14 min
